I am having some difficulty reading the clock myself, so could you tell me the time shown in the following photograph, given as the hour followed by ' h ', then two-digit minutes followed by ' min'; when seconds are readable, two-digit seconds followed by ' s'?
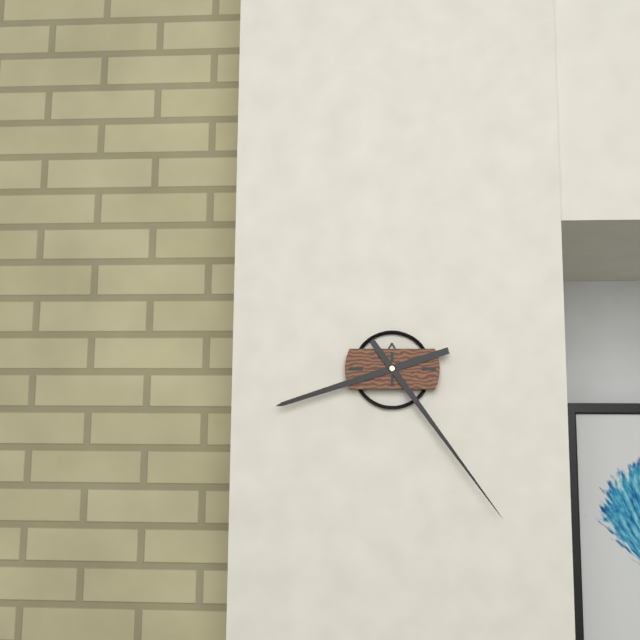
8 h 24 min
